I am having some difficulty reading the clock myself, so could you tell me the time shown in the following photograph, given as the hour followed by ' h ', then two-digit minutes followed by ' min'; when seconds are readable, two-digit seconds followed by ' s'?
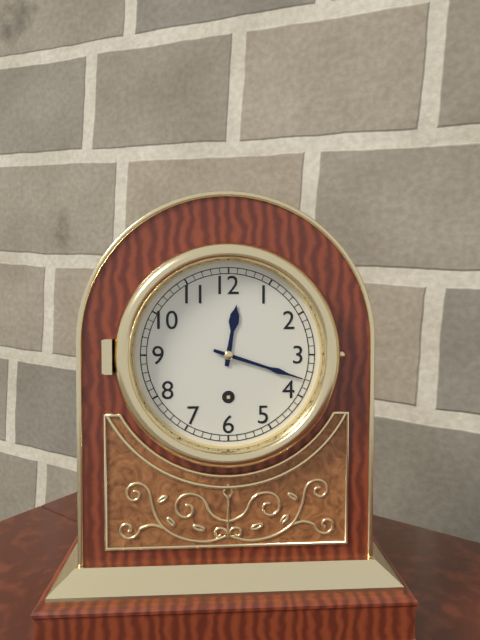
12 h 18 min
